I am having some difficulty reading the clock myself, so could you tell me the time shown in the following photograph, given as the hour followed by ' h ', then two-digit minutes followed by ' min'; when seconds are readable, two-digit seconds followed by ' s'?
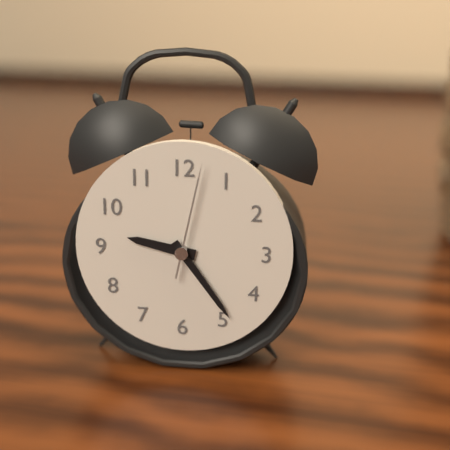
9 h 24 min 02 s
